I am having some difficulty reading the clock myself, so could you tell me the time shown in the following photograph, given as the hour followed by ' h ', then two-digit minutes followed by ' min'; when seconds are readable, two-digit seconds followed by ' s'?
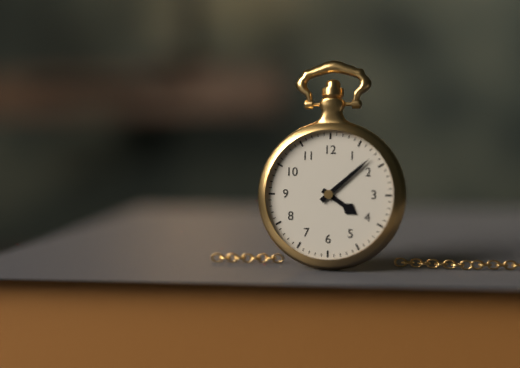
4 h 08 min
